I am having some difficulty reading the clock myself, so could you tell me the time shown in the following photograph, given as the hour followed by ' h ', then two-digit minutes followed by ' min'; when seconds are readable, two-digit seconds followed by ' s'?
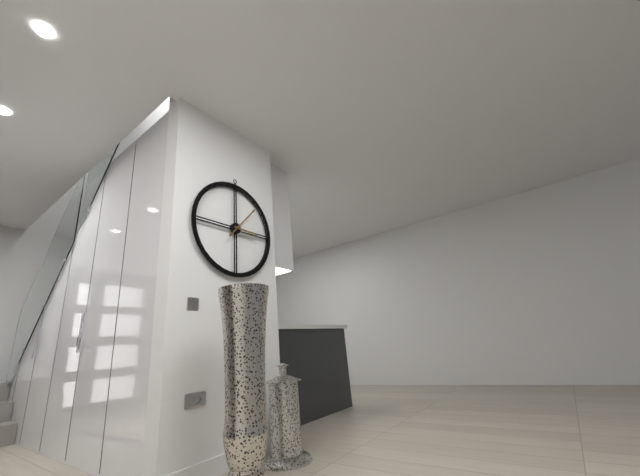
3 h 07 min
